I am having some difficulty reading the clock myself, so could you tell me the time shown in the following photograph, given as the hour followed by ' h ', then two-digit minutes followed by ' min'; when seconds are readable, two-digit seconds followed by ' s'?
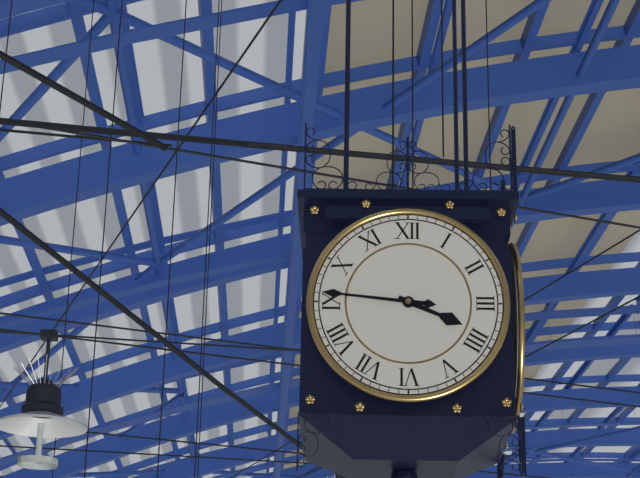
3 h 46 min
